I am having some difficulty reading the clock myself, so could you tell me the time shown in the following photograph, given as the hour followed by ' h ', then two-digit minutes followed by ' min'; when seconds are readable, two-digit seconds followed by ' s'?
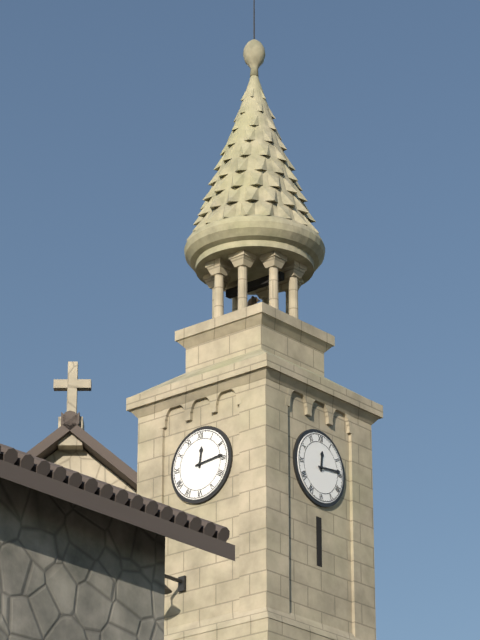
12 h 14 min
